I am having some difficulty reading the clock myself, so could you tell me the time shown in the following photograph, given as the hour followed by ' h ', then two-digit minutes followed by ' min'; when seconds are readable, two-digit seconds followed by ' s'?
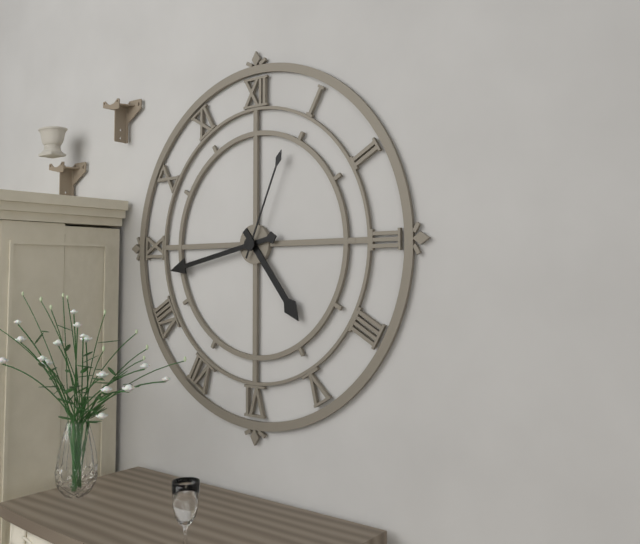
4 h 43 min 04 s
